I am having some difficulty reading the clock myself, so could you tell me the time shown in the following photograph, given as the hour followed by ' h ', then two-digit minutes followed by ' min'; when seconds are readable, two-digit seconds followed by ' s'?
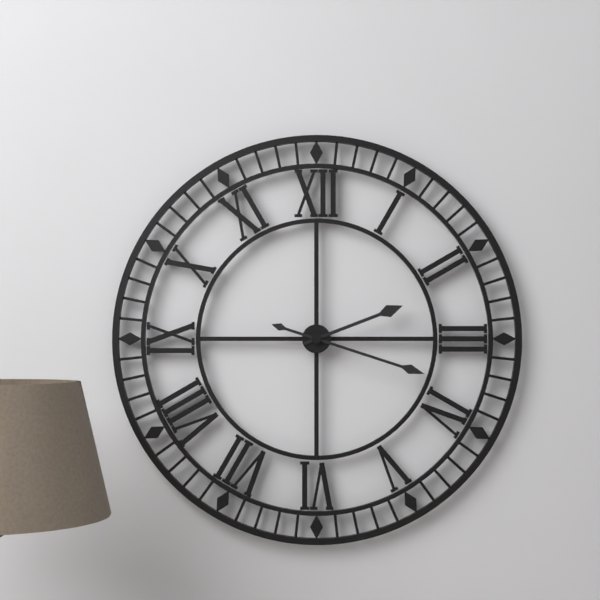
2 h 18 min
